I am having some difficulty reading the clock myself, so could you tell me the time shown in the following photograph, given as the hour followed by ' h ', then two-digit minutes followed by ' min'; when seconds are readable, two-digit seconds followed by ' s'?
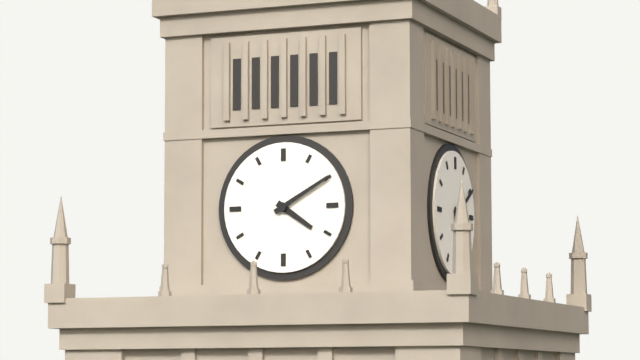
4 h 10 min
